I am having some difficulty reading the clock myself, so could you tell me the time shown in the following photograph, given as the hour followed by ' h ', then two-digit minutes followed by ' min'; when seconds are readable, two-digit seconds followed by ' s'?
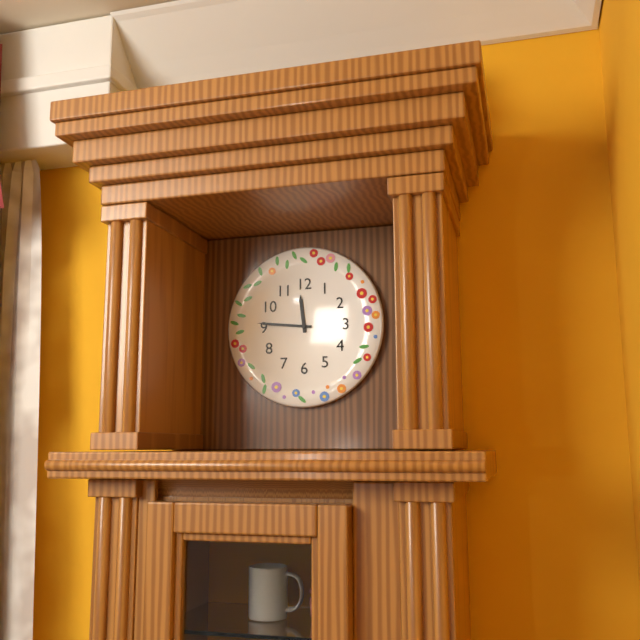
11 h 46 min
